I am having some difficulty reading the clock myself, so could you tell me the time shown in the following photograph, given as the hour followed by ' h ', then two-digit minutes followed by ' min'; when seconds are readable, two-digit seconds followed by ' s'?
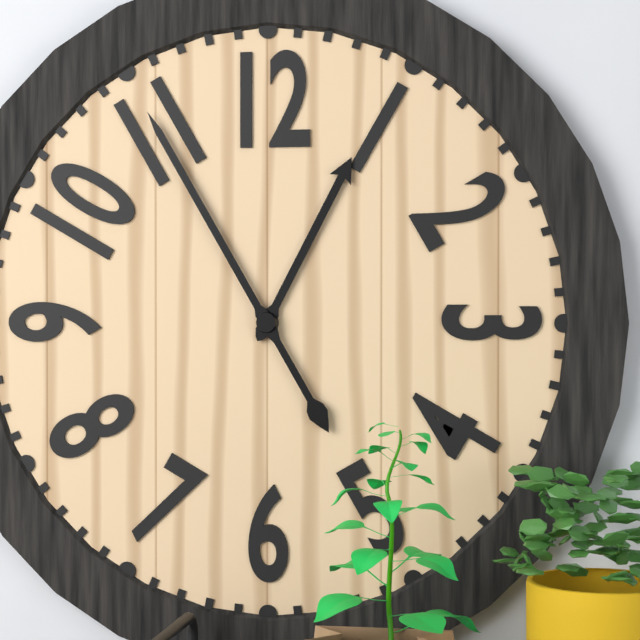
12 h 55 min
